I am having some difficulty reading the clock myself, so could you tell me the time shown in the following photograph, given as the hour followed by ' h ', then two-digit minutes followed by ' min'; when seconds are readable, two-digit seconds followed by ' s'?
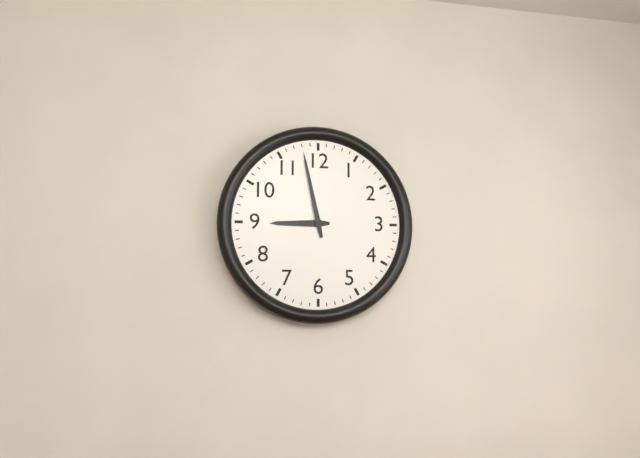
8 h 58 min
